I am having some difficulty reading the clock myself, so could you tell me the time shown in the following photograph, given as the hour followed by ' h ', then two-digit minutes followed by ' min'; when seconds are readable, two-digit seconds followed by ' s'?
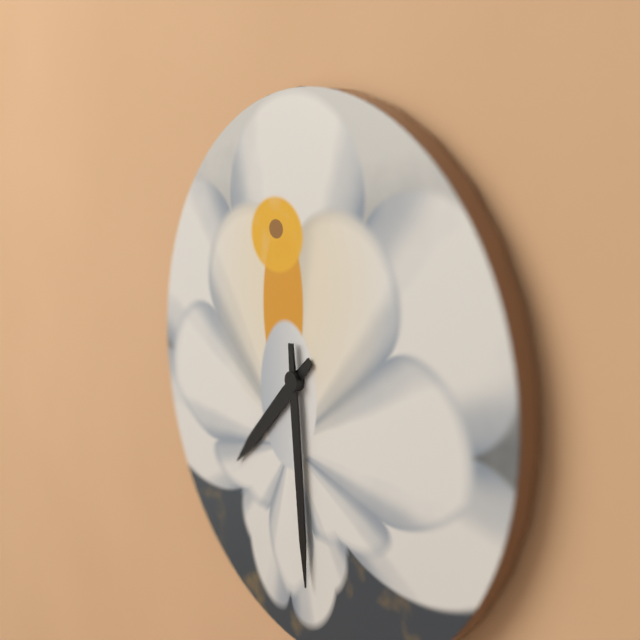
7 h 29 min
